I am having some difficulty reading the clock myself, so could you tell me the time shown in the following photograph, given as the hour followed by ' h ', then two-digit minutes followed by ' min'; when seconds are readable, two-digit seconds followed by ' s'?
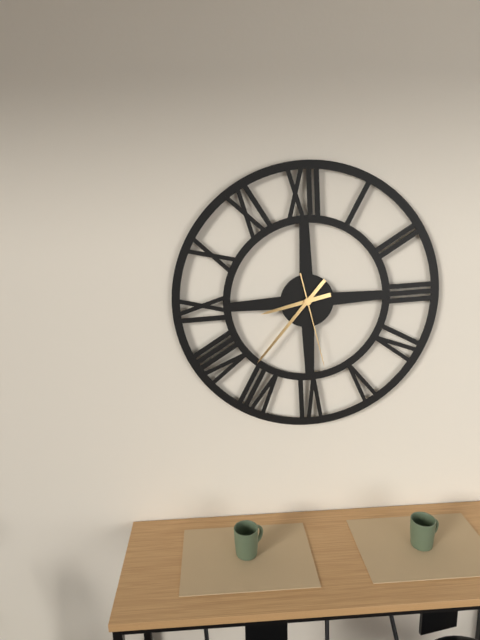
8 h 37 min 28 s
